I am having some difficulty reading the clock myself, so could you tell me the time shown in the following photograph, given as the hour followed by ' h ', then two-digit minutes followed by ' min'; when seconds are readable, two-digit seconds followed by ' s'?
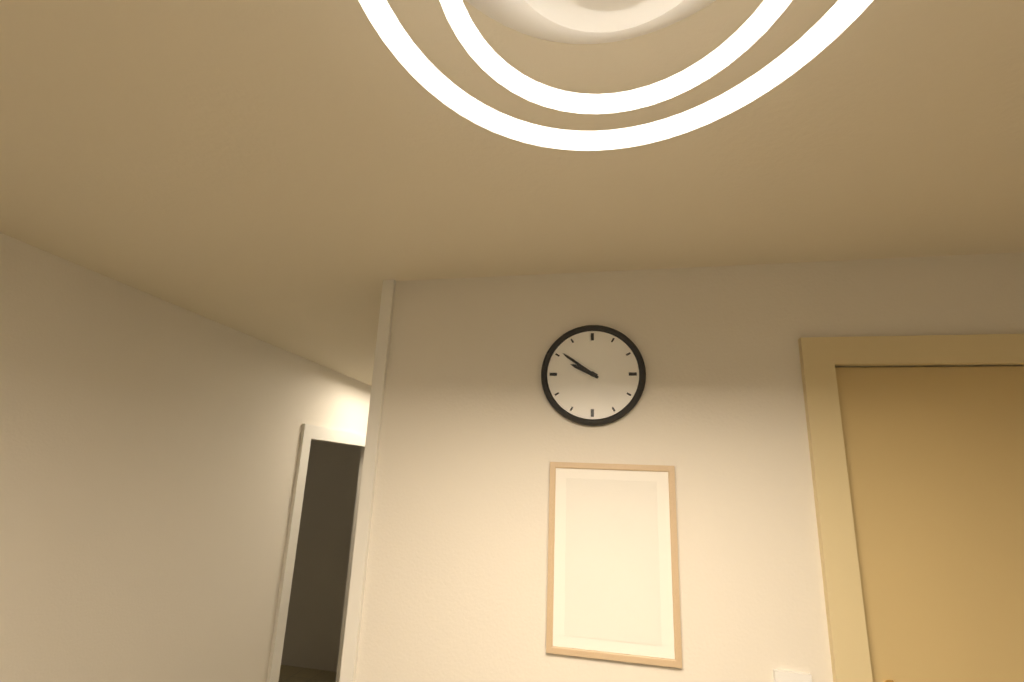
9 h 51 min
